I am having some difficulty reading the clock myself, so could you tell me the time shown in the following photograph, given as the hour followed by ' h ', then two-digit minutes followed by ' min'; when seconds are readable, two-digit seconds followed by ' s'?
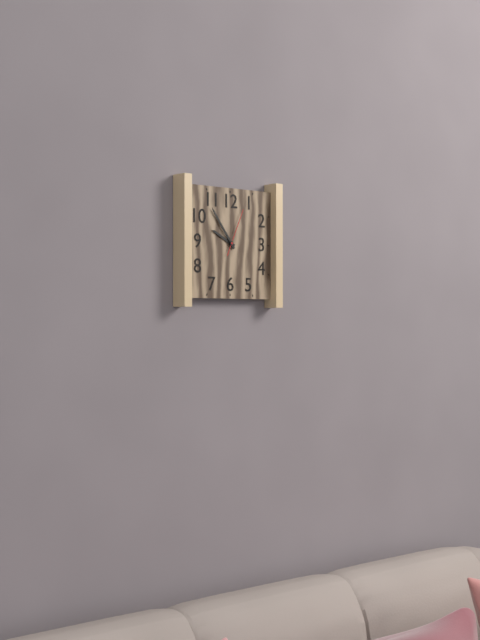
9 h 54 min
